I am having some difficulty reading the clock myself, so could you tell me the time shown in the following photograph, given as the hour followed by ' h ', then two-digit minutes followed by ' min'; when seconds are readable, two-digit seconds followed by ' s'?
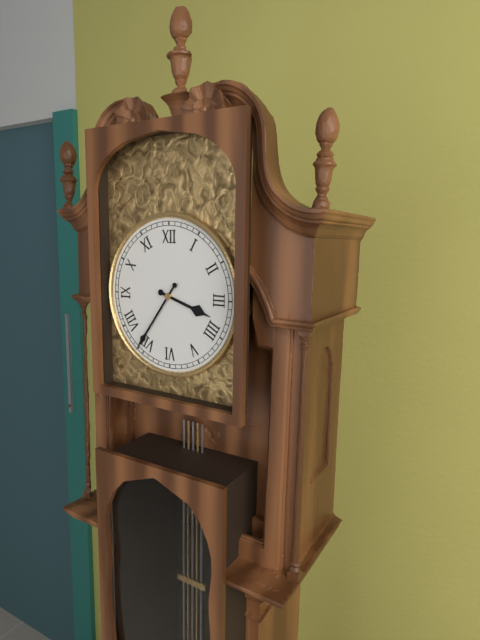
3 h 36 min
